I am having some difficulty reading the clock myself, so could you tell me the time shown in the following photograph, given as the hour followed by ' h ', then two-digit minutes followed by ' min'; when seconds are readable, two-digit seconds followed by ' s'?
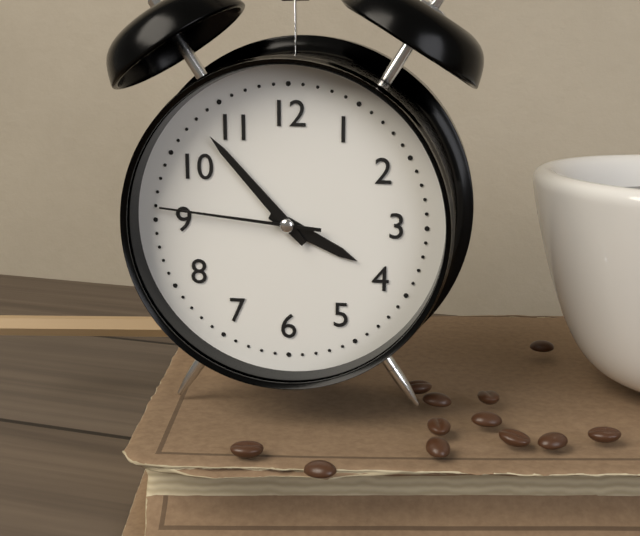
3 h 53 min 46 s
